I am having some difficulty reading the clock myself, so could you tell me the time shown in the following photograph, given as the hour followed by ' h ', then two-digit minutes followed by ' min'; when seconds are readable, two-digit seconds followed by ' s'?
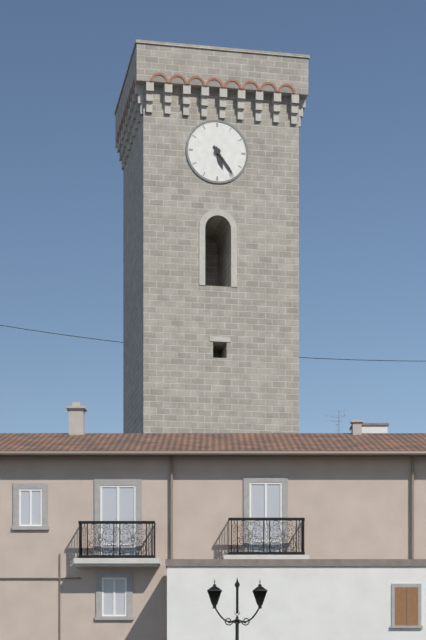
5 h 24 min
